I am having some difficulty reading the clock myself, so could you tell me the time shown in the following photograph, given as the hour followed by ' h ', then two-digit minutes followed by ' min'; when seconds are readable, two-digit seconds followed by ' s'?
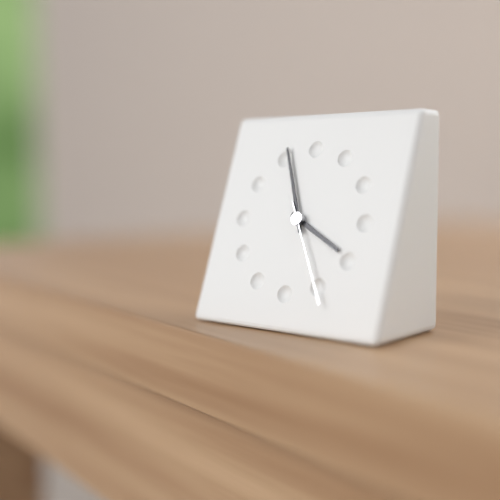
3 h 56 min 25 s
